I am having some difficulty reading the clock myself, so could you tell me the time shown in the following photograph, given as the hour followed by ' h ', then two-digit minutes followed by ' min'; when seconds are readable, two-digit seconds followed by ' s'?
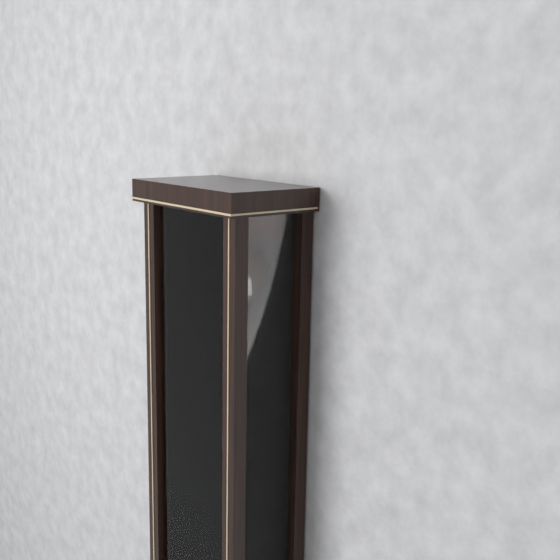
10 h 05 min
